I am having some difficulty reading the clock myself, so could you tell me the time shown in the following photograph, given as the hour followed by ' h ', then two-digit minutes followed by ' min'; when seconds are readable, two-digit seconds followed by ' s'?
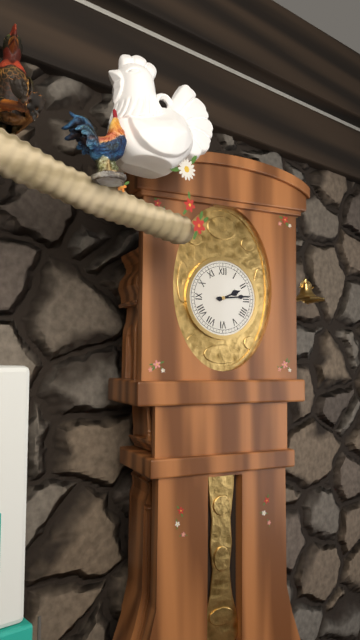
2 h 14 min
